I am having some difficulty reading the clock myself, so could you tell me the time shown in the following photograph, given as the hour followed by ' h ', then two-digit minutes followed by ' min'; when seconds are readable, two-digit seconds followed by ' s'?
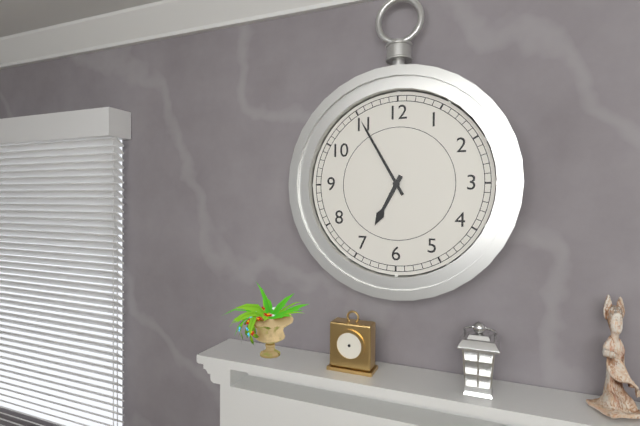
6 h 55 min
